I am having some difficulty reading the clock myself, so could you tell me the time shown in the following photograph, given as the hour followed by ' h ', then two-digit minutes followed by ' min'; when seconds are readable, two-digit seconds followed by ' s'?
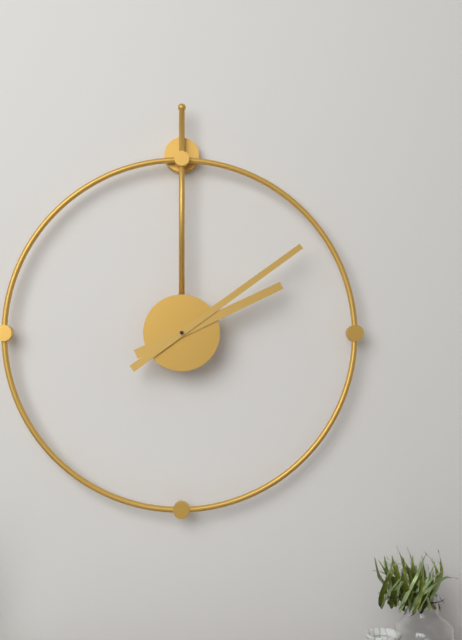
2 h 09 min
